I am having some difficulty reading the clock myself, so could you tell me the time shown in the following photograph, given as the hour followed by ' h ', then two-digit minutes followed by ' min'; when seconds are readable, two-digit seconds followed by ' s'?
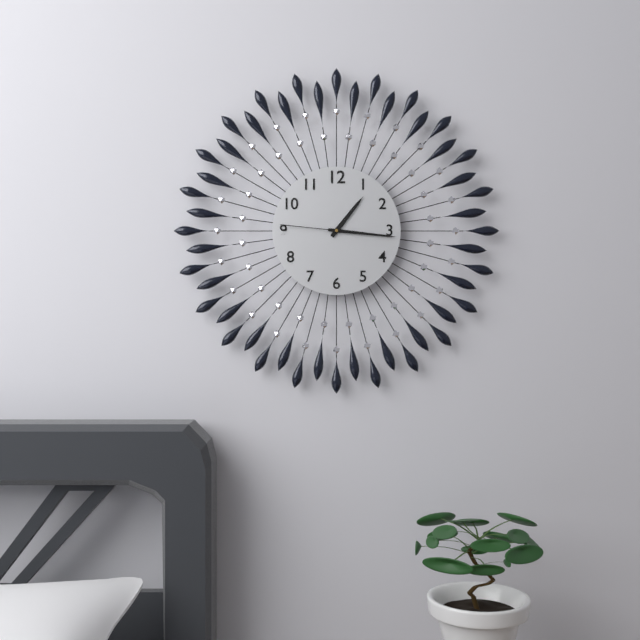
1 h 16 min 46 s
